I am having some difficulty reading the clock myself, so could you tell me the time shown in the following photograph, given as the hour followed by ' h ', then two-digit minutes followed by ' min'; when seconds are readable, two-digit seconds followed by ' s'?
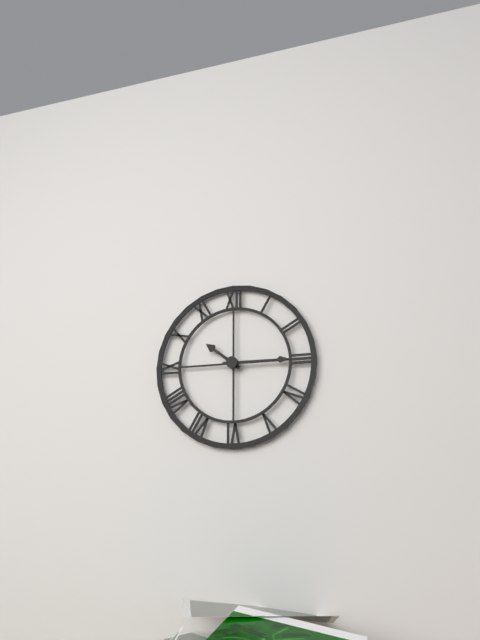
10 h 15 min
